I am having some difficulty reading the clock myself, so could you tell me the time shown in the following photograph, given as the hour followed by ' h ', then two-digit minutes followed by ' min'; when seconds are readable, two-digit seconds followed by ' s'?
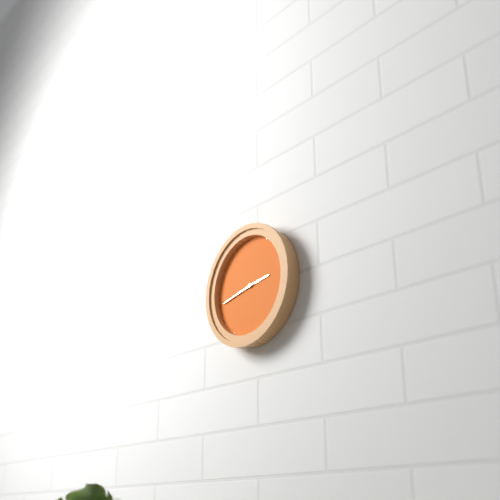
2 h 43 min
